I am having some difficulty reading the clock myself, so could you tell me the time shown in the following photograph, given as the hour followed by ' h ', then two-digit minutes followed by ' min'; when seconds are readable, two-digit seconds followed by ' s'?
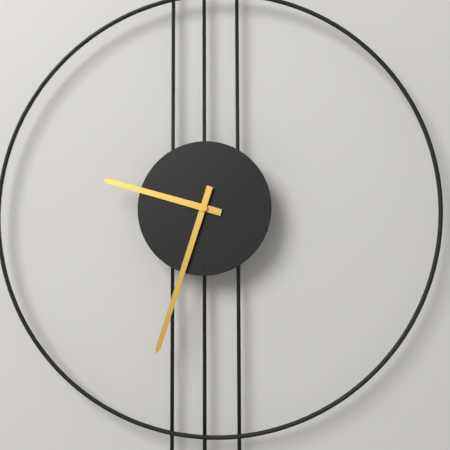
9 h 33 min
